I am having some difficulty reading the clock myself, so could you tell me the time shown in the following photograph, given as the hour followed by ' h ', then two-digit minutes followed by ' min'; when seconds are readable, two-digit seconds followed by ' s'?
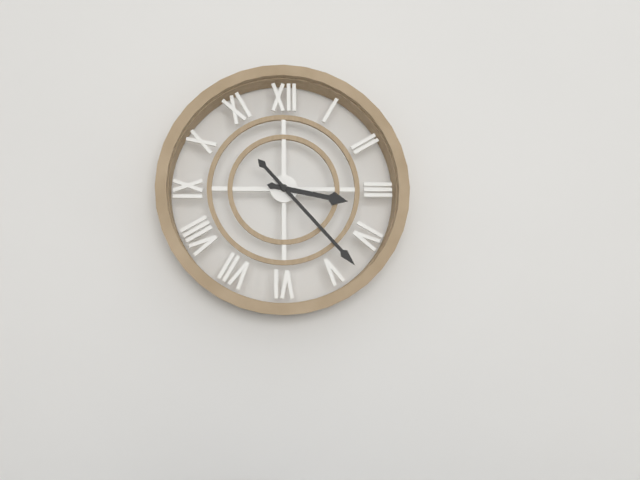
3 h 23 min
